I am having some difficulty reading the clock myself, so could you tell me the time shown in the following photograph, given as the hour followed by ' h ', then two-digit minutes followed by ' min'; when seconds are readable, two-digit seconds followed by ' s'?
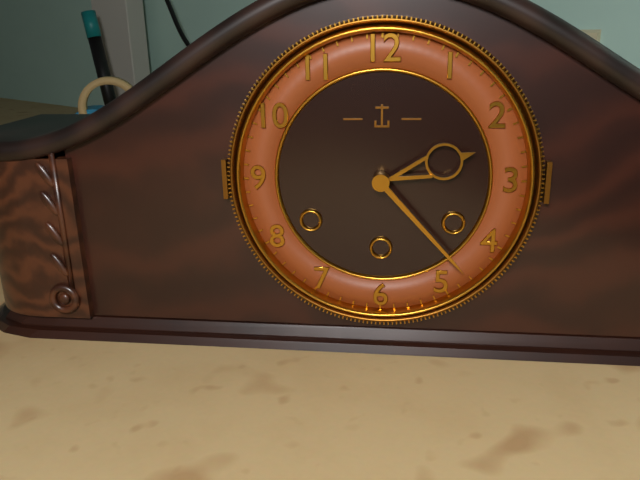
2 h 23 min
